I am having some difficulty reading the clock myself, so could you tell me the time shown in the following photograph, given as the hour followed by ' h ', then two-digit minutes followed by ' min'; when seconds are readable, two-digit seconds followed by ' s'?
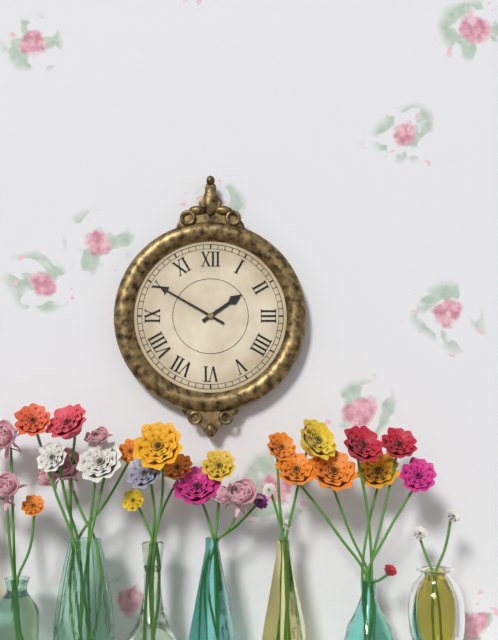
1 h 50 min
